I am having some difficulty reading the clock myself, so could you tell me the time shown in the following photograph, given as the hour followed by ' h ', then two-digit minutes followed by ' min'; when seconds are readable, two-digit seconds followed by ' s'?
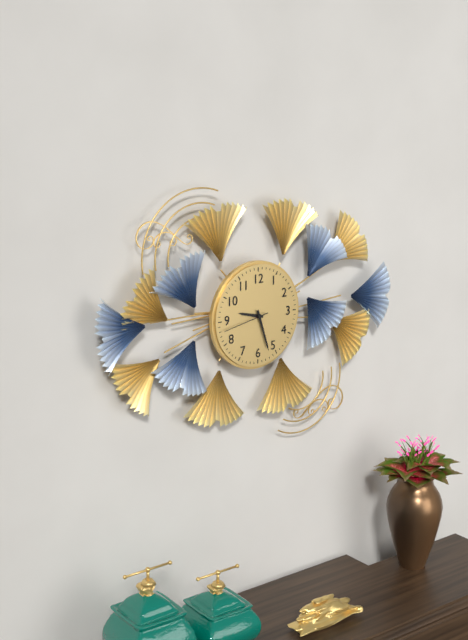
9 h 27 min
